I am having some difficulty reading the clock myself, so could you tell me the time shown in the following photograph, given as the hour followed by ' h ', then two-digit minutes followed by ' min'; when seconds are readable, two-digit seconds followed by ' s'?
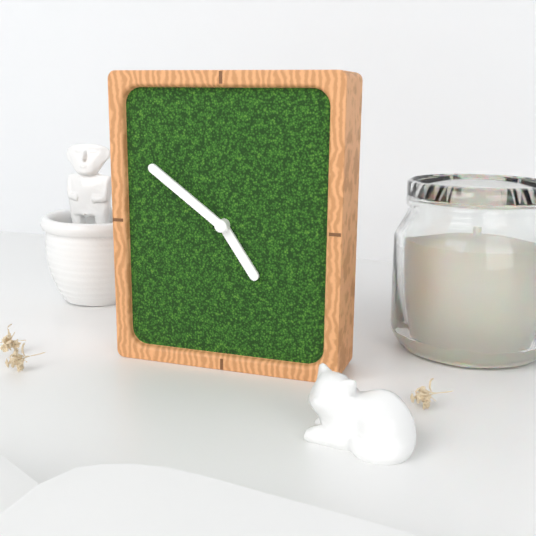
4 h 51 min
